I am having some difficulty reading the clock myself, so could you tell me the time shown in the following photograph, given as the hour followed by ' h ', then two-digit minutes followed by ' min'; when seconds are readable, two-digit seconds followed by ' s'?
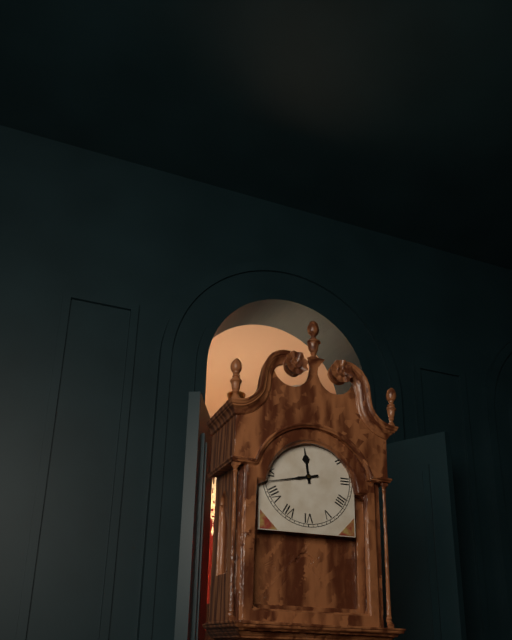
11 h 43 min
